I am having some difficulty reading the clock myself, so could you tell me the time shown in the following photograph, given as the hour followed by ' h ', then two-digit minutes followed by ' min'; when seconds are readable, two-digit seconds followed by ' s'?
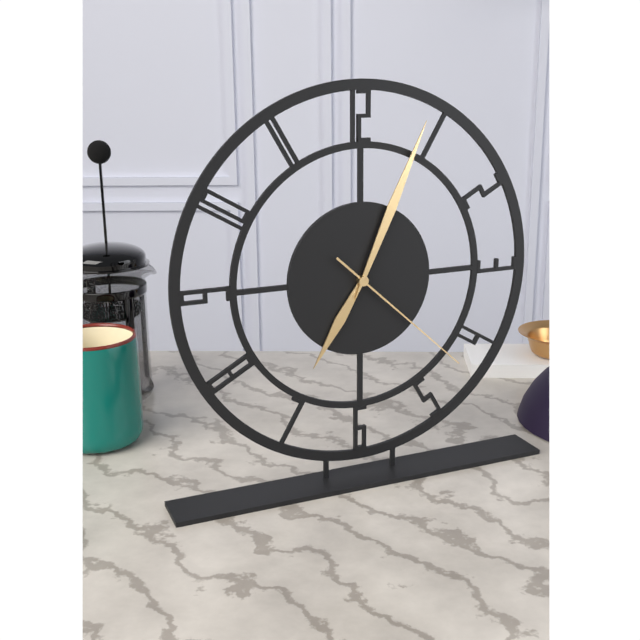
7 h 04 min 22 s
